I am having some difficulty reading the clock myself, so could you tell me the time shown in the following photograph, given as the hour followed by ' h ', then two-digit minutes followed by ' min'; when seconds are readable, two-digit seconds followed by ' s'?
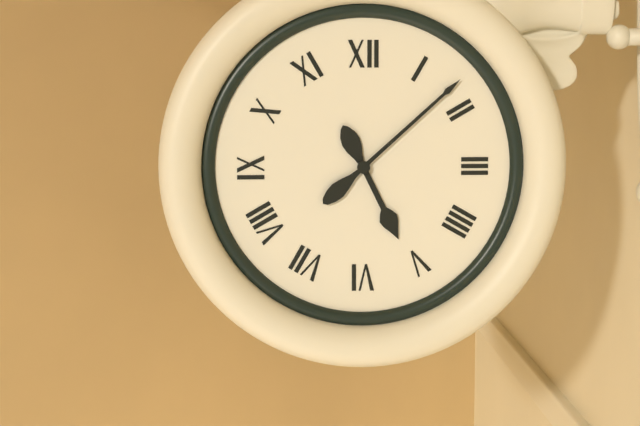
5 h 08 min
